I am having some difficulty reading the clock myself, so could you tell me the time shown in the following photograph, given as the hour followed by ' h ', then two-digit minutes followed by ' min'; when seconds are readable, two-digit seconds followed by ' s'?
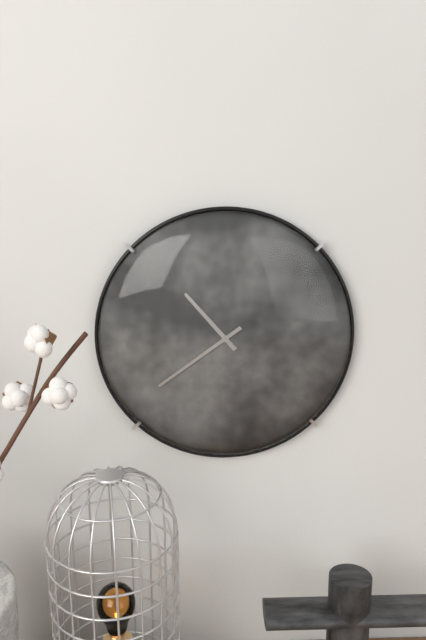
10 h 39 min
